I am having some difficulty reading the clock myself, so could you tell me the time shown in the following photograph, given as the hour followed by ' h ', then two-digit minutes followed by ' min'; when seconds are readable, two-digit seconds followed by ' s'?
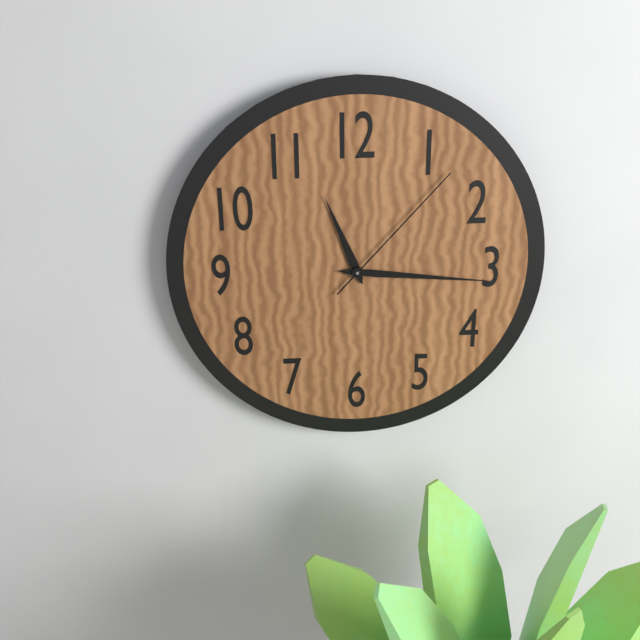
11 h 16 min 07 s
